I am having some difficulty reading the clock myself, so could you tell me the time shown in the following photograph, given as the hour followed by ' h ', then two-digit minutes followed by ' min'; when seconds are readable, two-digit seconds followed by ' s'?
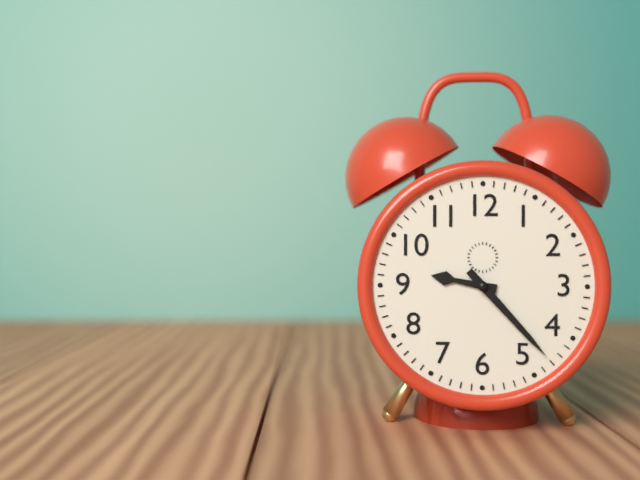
9 h 23 min
